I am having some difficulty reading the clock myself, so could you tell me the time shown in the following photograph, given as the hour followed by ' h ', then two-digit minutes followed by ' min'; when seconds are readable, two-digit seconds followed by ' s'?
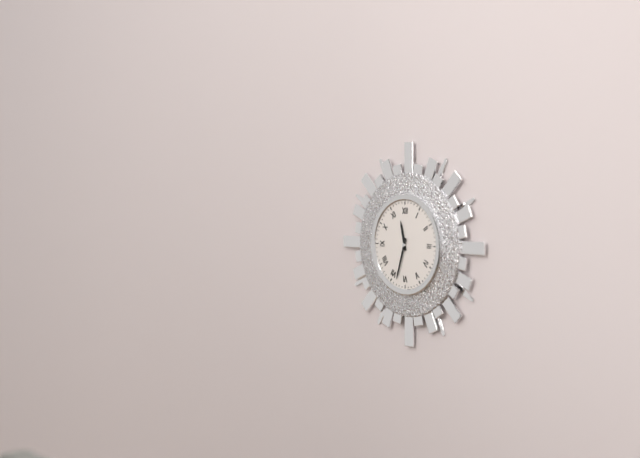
11 h 33 min
